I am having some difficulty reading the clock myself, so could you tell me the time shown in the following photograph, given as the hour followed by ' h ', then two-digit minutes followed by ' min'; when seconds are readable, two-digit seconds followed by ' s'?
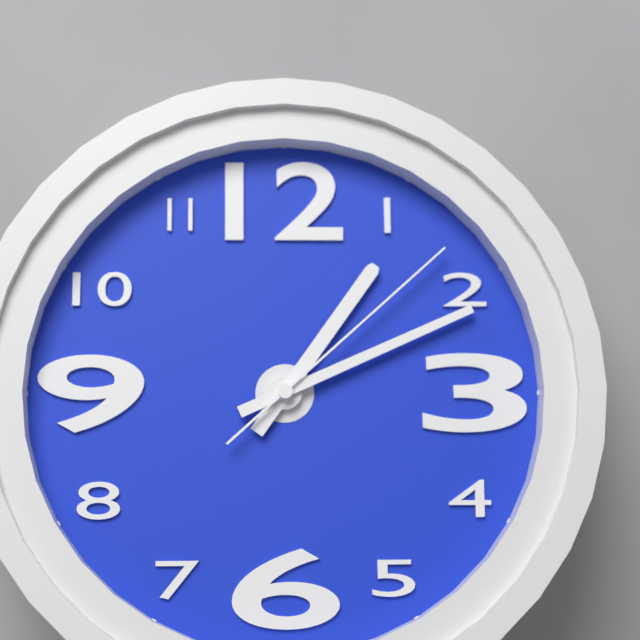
1 h 11 min 08 s
